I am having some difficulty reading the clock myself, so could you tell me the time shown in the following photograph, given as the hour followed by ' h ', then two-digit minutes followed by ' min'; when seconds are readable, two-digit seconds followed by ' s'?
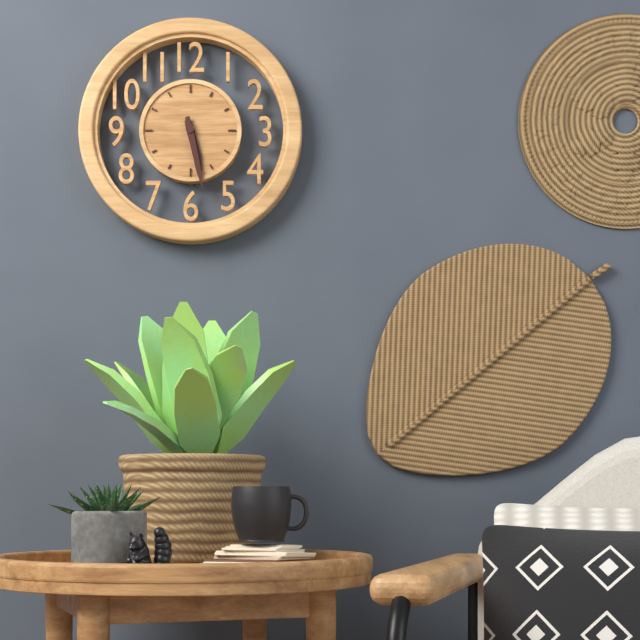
5 h 28 min
